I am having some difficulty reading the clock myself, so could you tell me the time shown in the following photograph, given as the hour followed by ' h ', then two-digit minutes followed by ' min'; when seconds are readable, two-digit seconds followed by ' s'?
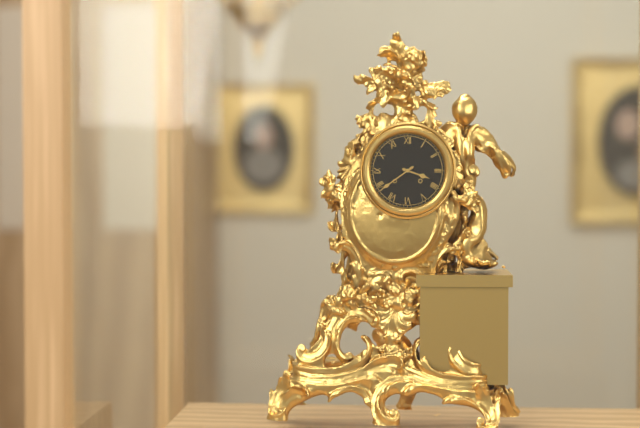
3 h 39 min
